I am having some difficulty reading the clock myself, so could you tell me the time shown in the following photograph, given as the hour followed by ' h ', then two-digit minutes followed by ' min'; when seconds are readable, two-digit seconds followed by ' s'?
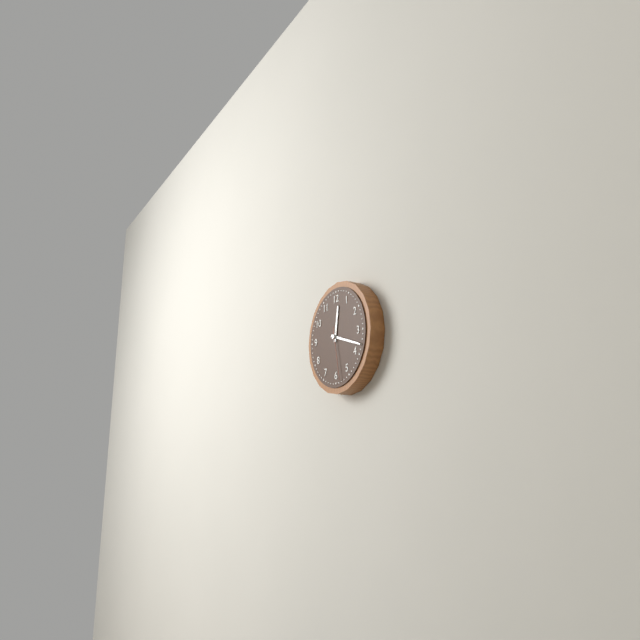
12 h 18 min 28 s
